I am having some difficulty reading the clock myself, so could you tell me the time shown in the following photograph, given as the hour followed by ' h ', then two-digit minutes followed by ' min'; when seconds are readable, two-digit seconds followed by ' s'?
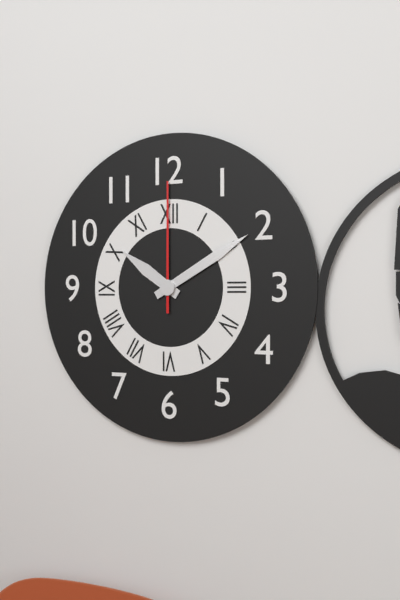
10 h 10 min 00 s
